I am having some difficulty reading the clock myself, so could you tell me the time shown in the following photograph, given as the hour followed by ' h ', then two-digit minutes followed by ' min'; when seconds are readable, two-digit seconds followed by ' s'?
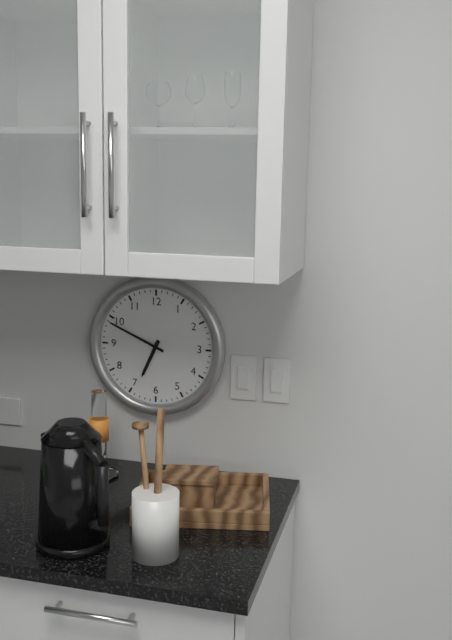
6 h 49 min
